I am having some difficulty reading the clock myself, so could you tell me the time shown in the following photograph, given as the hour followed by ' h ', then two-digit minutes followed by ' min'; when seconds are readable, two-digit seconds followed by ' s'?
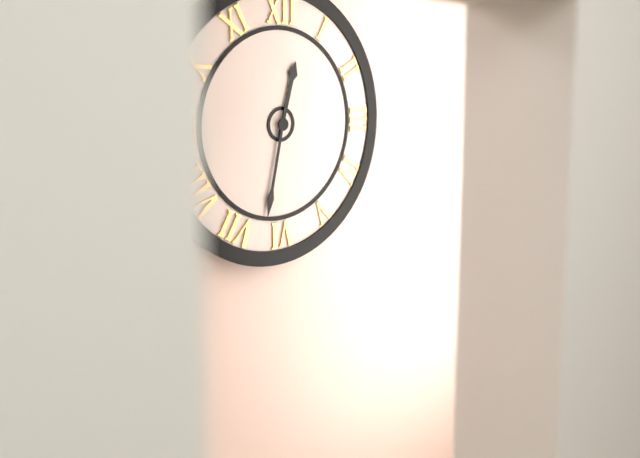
12 h 32 min
